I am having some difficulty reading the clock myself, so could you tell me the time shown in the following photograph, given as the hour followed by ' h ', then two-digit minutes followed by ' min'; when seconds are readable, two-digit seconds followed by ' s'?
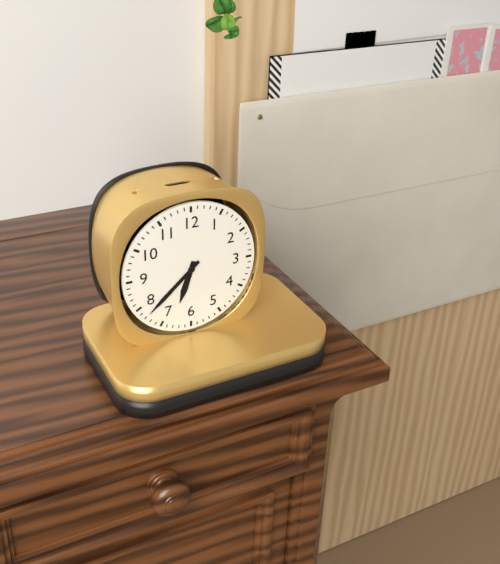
6 h 38 min
